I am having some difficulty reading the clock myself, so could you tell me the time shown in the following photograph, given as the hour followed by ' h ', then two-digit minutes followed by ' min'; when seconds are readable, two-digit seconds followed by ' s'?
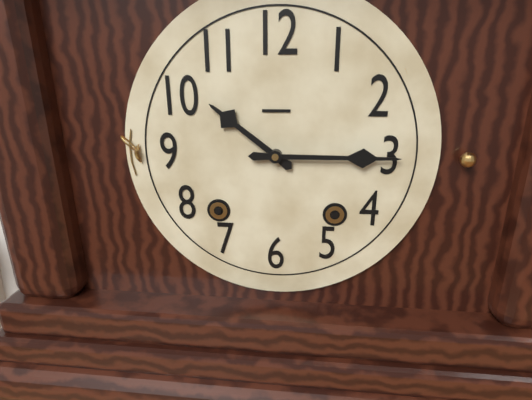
10 h 15 min
